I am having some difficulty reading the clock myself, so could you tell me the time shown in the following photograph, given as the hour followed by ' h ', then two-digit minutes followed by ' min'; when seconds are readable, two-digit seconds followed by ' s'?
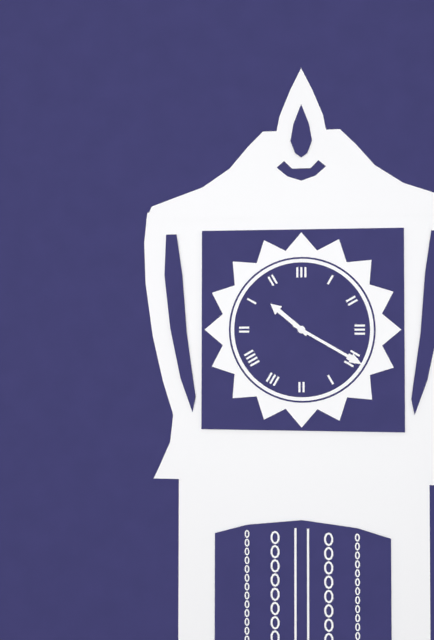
10 h 20 min
